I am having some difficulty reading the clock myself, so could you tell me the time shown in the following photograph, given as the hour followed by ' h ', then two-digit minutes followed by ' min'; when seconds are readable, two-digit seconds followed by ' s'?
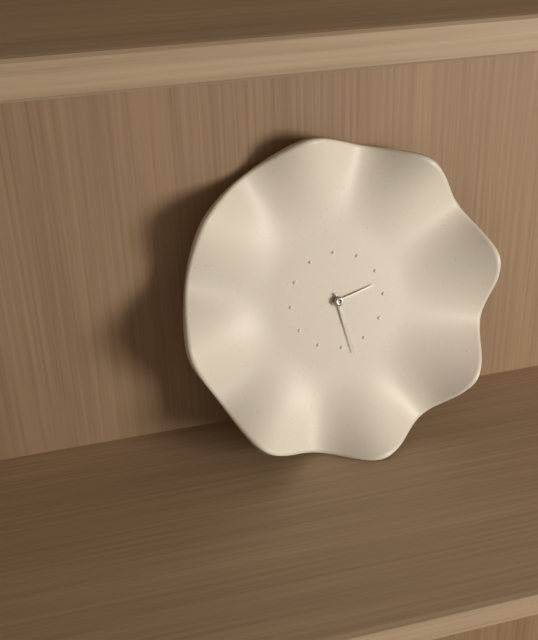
2 h 28 min
